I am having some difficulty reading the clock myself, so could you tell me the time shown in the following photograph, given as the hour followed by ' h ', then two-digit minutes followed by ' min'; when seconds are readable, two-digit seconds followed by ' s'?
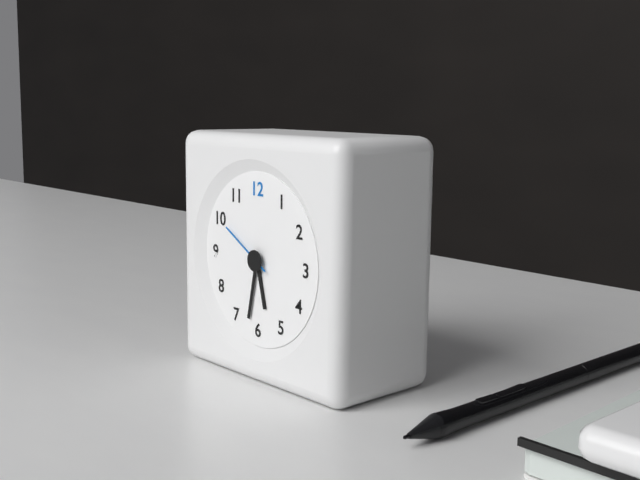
5 h 32 min 50 s
